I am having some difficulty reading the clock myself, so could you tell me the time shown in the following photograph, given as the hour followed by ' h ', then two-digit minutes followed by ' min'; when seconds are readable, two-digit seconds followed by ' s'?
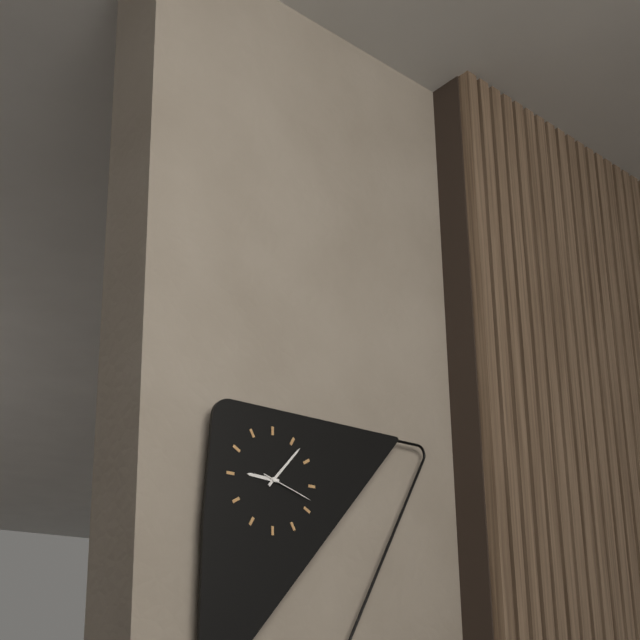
9 h 07 min 18 s
